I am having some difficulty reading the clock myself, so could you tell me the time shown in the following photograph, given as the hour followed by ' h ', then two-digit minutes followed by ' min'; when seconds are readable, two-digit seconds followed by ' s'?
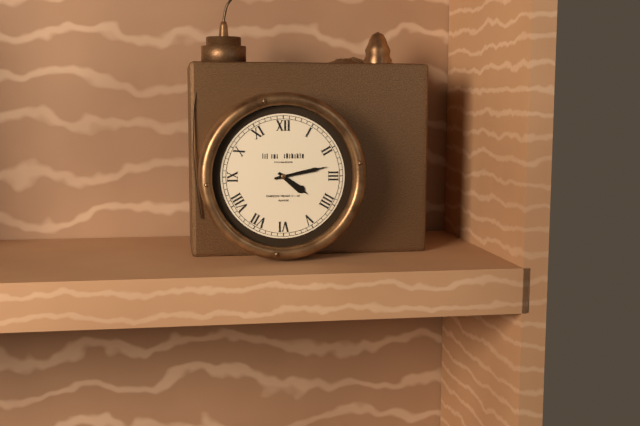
4 h 13 min
